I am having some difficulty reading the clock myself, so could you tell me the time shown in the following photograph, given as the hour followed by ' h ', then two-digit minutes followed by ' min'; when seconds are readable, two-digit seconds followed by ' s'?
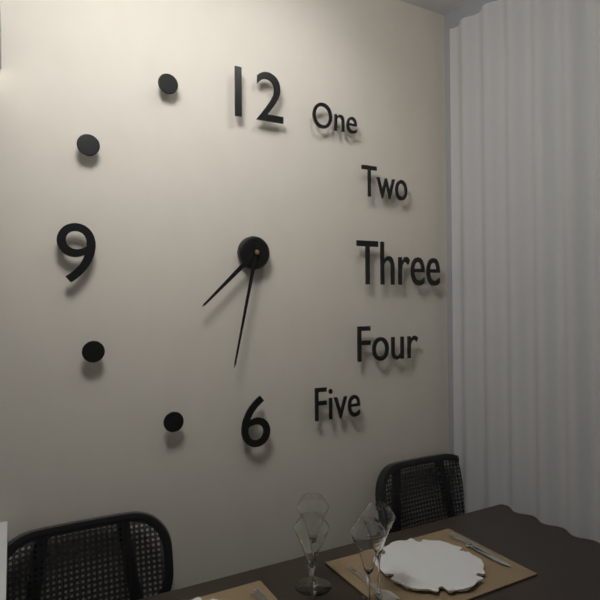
7 h 32 min
